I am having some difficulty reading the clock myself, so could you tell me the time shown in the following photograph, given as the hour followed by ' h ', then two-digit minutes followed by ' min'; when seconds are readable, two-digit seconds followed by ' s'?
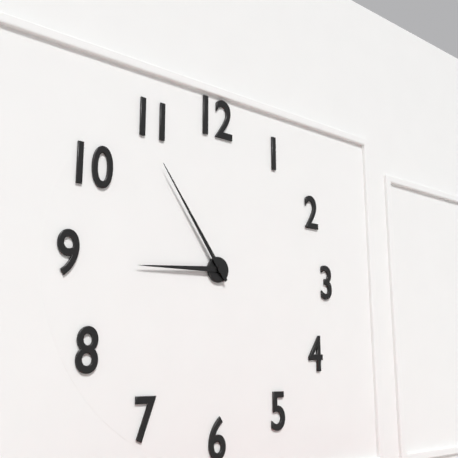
8 h 54 min
